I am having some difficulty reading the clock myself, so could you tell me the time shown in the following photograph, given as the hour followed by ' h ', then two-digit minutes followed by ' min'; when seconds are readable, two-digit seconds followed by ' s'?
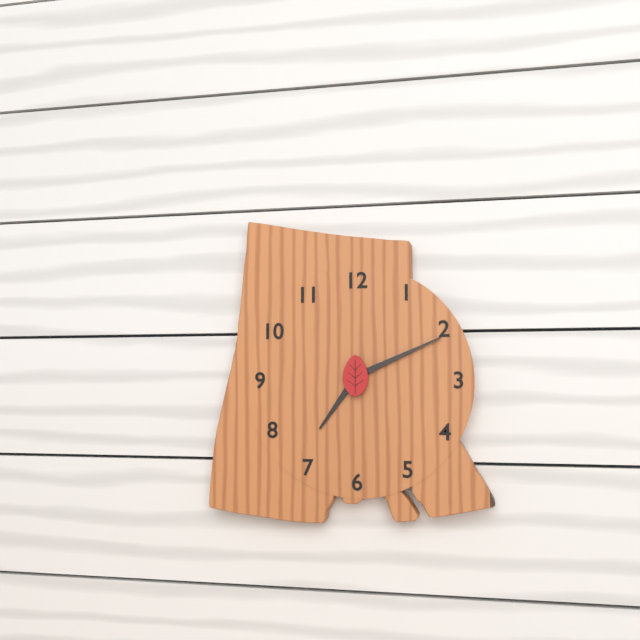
7 h 11 min
